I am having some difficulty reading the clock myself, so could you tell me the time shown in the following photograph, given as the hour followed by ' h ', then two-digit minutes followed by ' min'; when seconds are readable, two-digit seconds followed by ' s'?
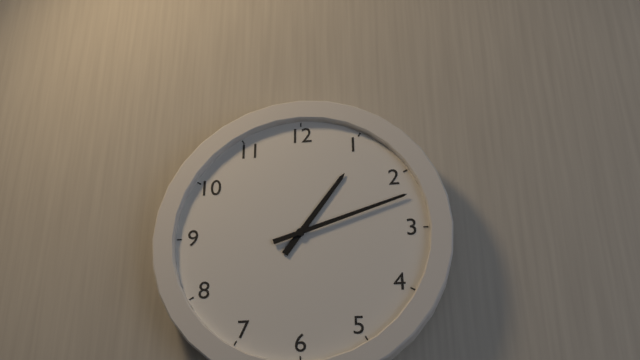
1 h 12 min
